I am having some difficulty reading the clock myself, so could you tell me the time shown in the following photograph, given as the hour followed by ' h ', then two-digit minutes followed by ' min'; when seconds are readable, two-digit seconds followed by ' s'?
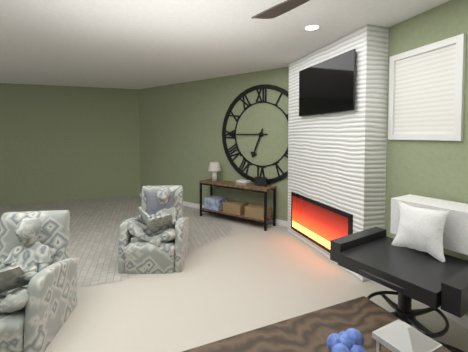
6 h 45 min
